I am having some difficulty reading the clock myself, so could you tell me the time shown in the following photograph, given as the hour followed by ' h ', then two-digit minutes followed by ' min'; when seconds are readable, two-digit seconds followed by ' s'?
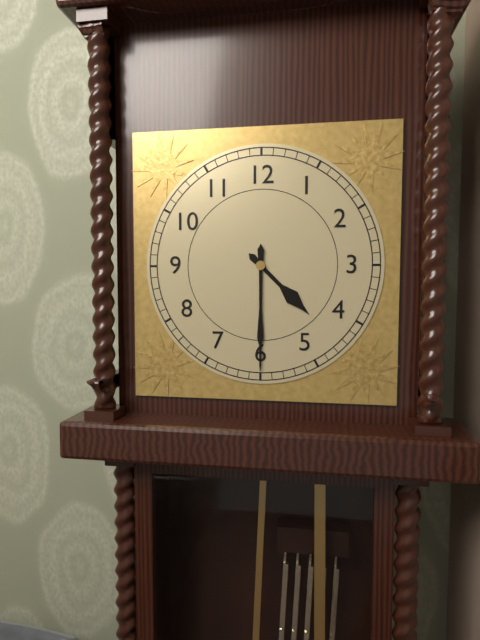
4 h 30 min
